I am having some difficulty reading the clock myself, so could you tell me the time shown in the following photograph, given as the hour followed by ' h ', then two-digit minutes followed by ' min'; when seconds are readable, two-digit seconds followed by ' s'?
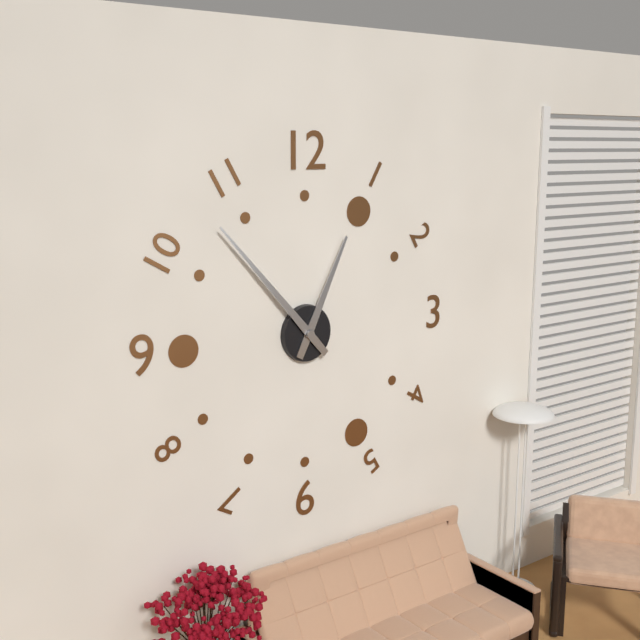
12 h 53 min
